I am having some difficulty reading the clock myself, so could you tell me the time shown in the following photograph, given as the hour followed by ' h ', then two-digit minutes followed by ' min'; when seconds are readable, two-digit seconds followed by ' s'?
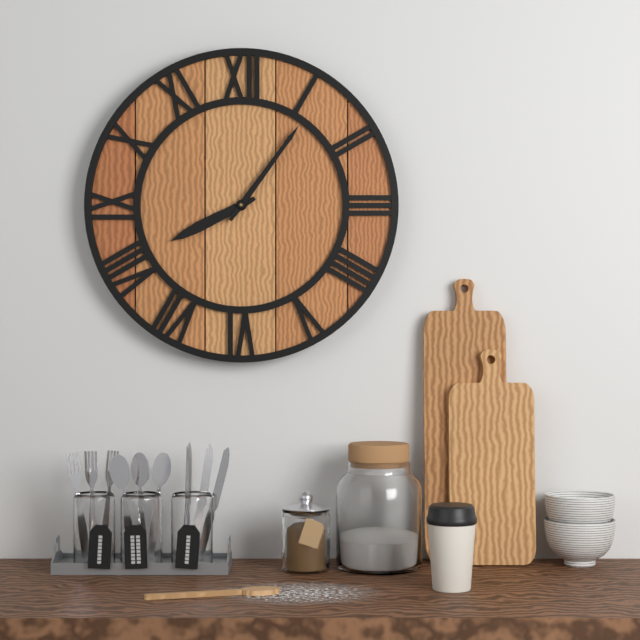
8 h 06 min
